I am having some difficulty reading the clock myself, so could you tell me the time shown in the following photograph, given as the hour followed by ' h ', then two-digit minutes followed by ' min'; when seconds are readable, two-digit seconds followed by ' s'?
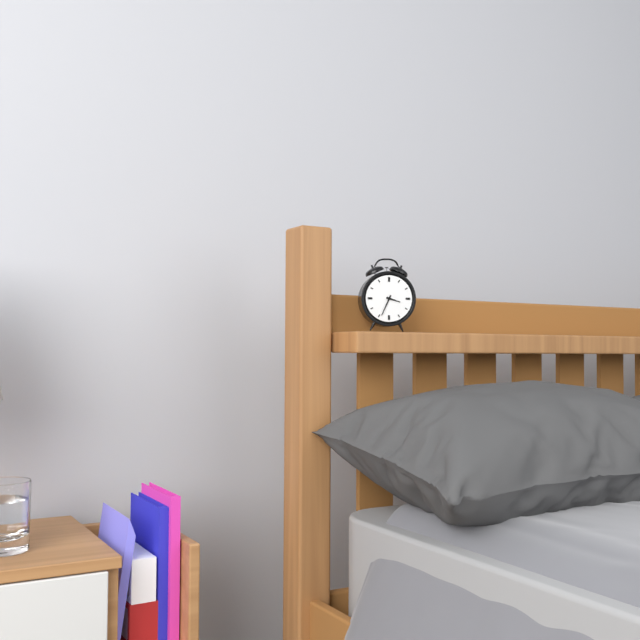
3 h 34 min
